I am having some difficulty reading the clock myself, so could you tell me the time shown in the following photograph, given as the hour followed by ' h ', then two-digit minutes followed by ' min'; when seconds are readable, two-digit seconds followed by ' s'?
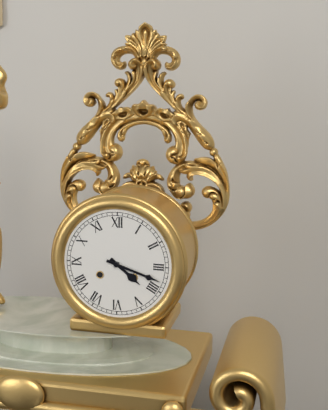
4 h 18 min
